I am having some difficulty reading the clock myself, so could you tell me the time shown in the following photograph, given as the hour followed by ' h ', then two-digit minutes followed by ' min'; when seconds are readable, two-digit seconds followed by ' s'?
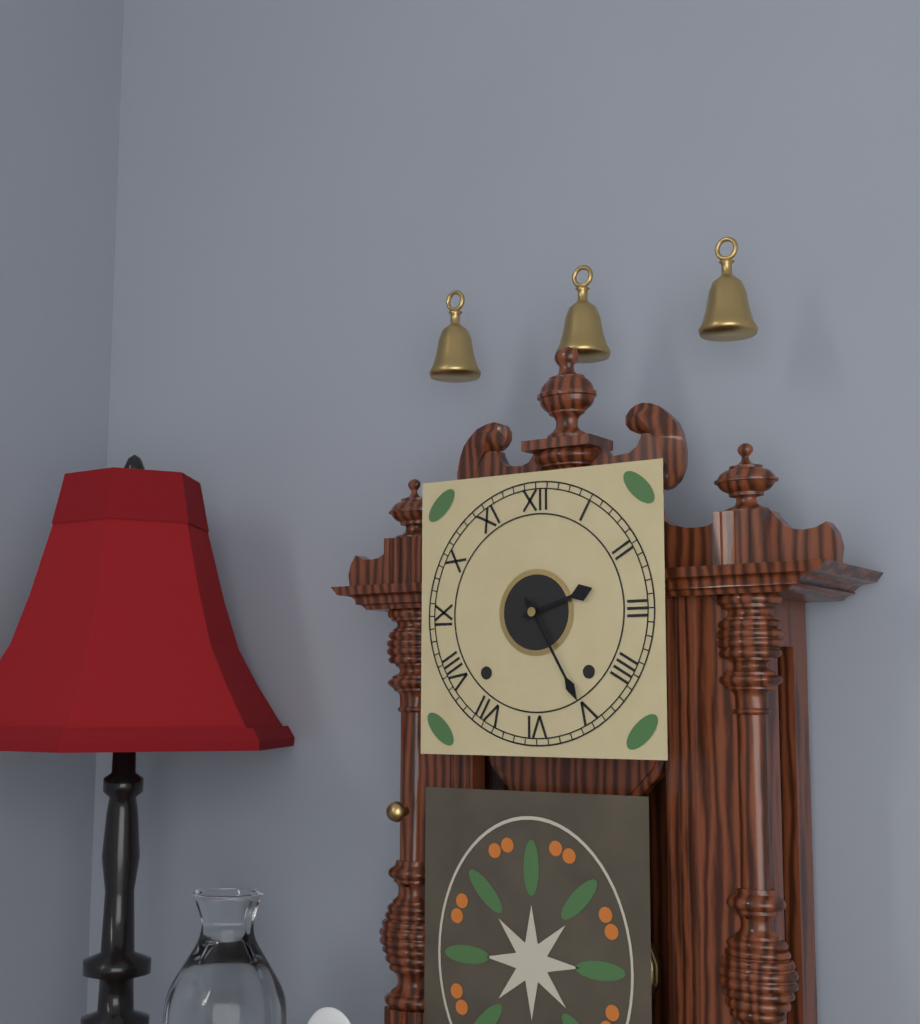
2 h 25 min
